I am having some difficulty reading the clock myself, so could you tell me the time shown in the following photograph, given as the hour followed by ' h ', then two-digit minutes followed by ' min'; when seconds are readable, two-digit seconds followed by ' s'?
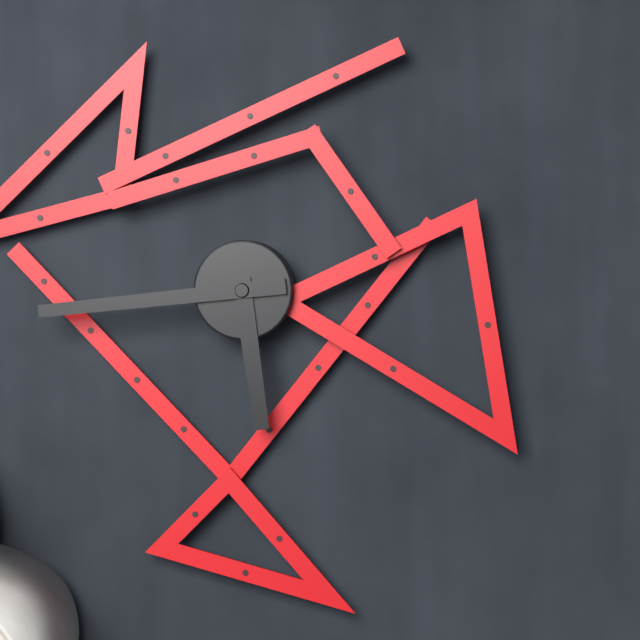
5 h 44 min
